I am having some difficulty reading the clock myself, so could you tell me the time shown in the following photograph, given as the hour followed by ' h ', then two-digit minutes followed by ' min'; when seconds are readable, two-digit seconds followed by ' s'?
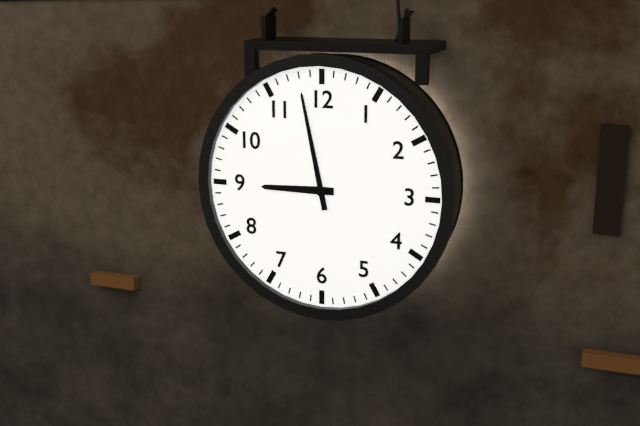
8 h 58 min
